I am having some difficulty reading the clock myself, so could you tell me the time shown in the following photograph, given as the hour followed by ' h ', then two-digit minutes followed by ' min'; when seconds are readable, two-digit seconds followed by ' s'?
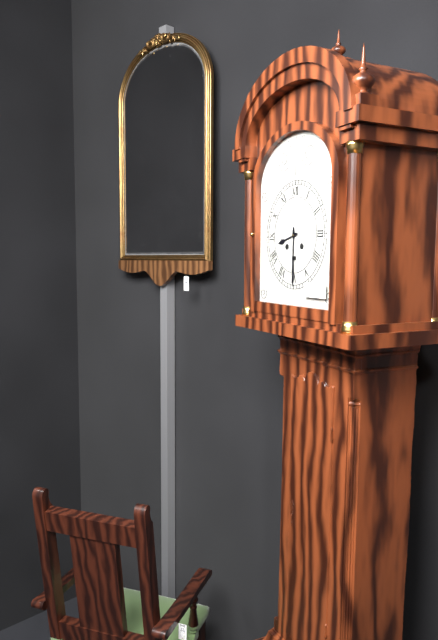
8 h 30 min
